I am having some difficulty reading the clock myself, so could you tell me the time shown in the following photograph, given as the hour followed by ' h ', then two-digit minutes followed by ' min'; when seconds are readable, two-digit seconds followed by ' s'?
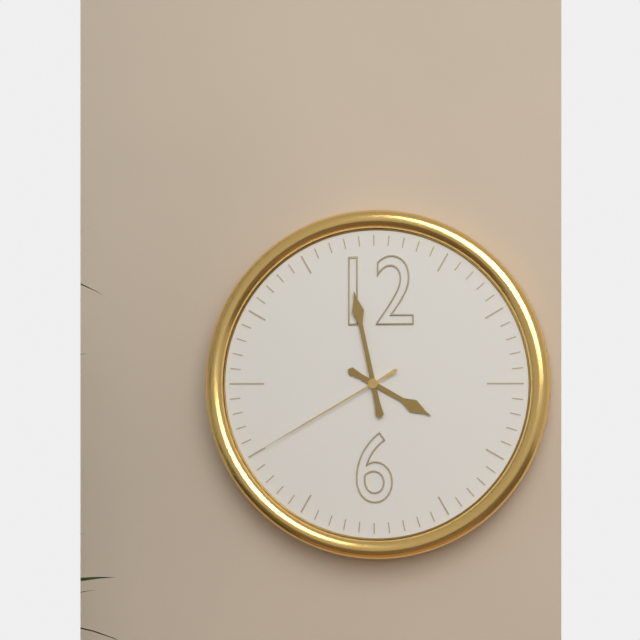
3 h 58 min 40 s
